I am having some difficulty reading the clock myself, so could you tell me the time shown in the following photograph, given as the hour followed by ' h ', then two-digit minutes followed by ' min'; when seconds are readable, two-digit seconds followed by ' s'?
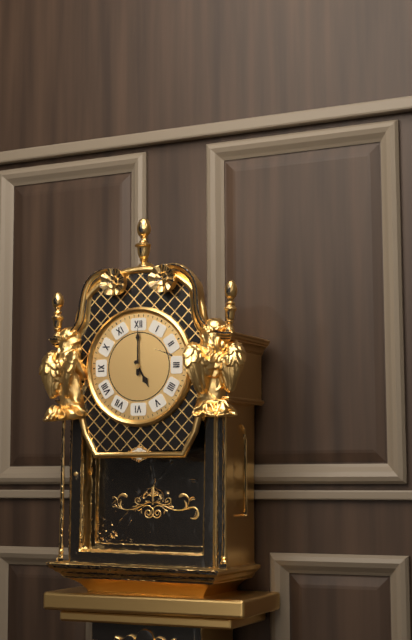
5 h 00 min
